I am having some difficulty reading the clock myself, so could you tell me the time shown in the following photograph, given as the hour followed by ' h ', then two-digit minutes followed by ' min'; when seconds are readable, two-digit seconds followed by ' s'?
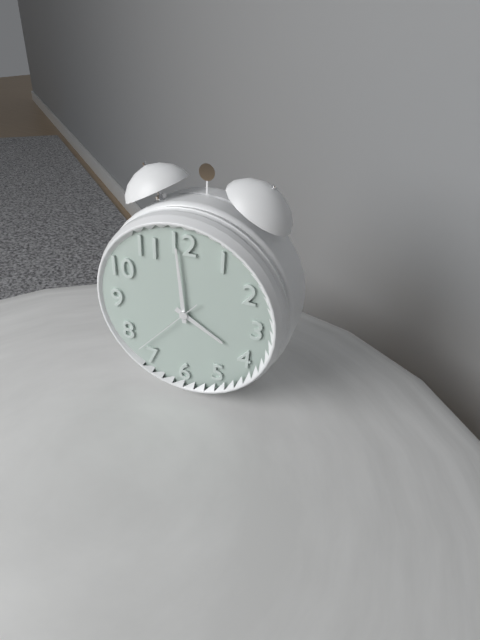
3 h 59 min 37 s
